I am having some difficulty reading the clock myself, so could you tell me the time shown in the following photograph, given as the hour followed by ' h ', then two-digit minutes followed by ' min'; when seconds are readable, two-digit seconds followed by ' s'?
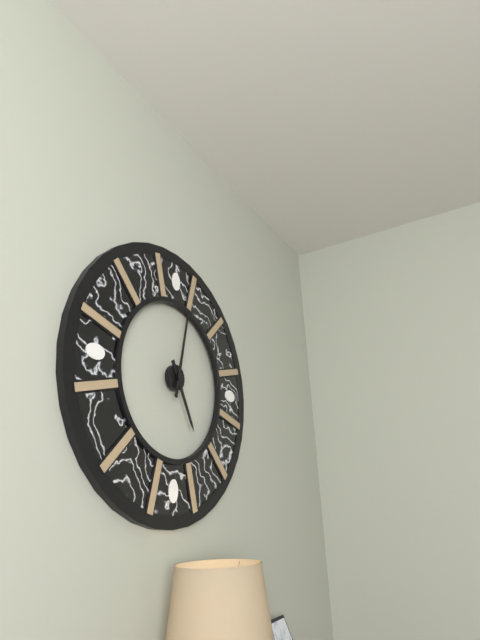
5 h 02 min
